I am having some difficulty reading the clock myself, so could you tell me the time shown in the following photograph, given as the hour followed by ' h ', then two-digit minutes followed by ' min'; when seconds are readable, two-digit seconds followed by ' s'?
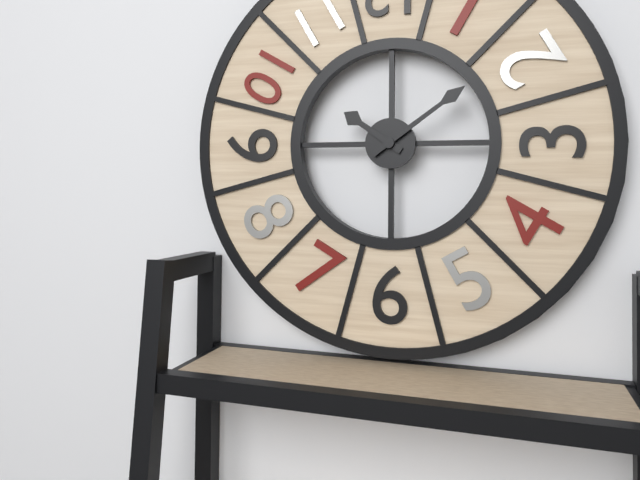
10 h 09 min
